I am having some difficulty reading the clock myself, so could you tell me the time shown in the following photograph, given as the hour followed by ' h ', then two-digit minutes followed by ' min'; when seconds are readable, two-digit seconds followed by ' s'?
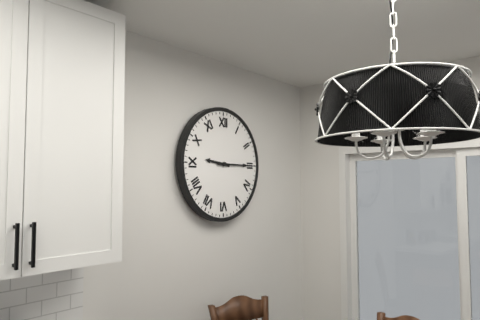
9 h 15 min
